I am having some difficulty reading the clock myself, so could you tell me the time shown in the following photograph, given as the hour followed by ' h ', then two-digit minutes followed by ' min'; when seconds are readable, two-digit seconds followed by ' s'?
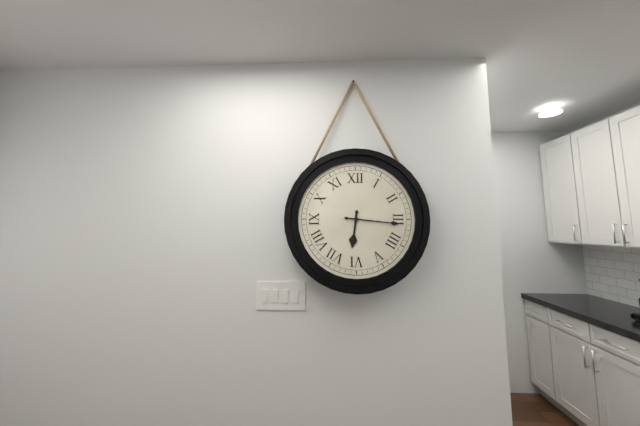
6 h 16 min
